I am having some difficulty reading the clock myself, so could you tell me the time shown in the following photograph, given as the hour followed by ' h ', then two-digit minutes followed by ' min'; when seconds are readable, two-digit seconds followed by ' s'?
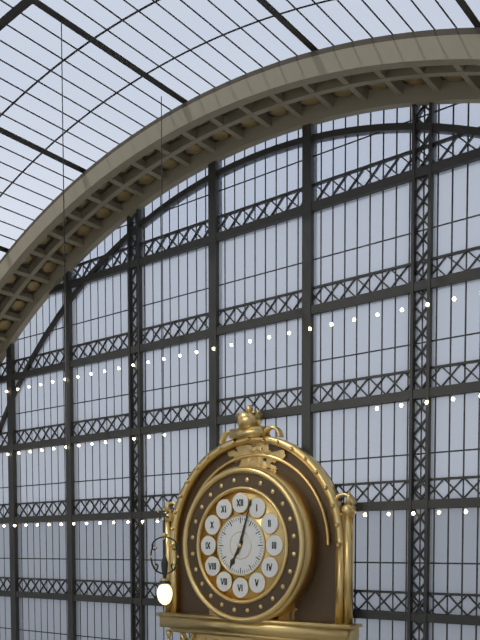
7 h 03 min
